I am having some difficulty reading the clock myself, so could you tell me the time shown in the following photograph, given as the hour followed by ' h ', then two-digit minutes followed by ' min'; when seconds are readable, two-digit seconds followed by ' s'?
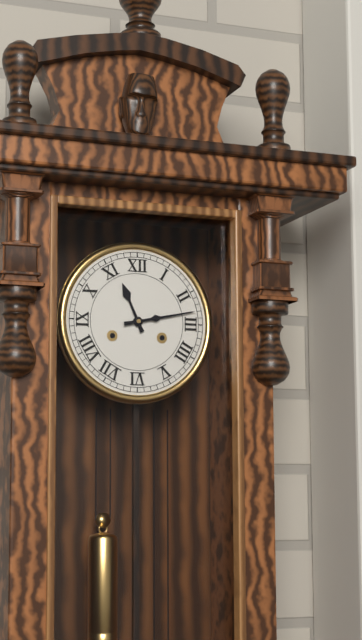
11 h 13 min
